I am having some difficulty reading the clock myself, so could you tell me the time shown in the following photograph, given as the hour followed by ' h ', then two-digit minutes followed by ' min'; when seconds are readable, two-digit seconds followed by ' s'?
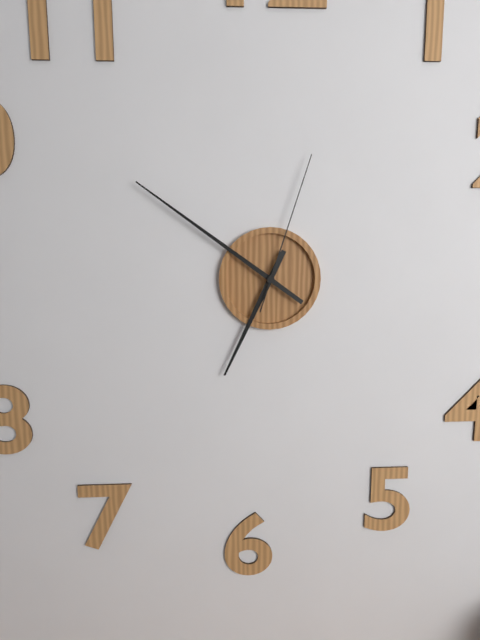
6 h 51 min 03 s
